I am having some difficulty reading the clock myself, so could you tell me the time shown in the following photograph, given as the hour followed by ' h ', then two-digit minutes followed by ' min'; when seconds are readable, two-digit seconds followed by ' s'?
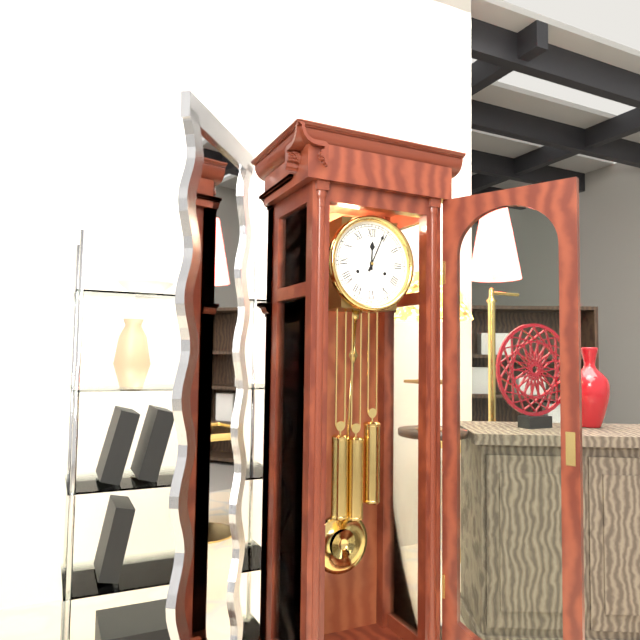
12 h 04 min
